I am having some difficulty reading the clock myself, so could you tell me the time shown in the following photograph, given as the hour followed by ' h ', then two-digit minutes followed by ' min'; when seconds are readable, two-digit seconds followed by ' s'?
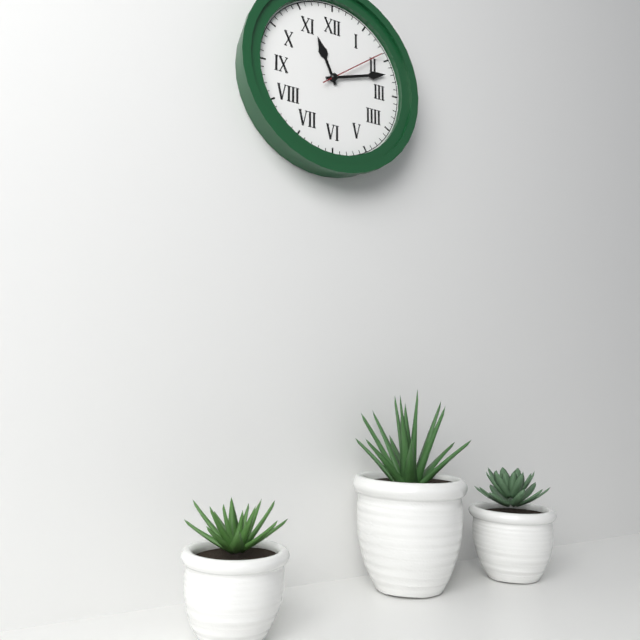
11 h 12 min 09 s
